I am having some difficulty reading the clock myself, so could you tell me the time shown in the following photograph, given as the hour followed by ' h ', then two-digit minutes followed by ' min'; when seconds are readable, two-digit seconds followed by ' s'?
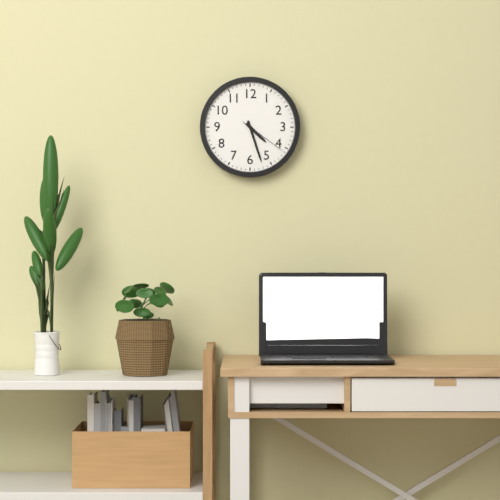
4 h 27 min
